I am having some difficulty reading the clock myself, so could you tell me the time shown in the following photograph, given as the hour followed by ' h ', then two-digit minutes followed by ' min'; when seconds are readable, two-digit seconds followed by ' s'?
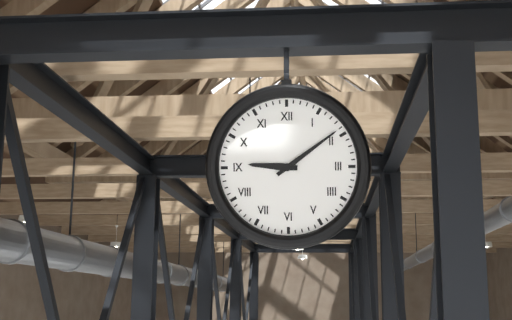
9 h 09 min
